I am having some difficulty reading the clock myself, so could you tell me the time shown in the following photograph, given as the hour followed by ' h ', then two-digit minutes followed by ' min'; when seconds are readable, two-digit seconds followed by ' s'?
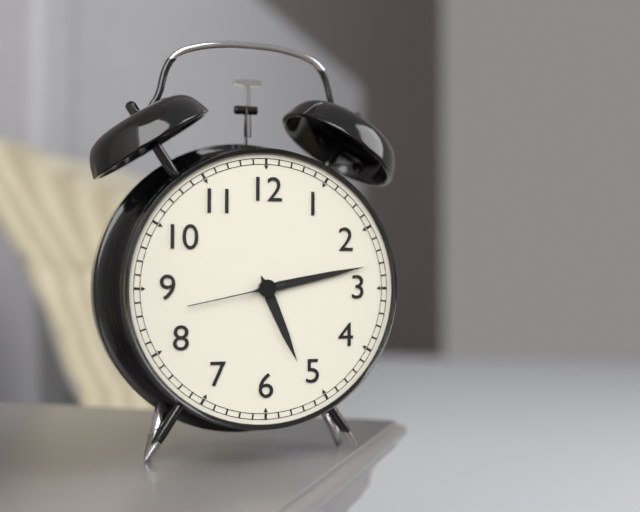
5 h 13 min 43 s
